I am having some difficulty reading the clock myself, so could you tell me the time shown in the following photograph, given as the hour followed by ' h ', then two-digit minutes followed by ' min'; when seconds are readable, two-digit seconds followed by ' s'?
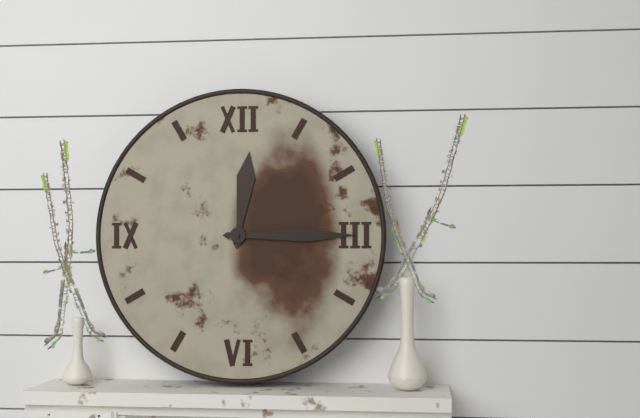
12 h 15 min
